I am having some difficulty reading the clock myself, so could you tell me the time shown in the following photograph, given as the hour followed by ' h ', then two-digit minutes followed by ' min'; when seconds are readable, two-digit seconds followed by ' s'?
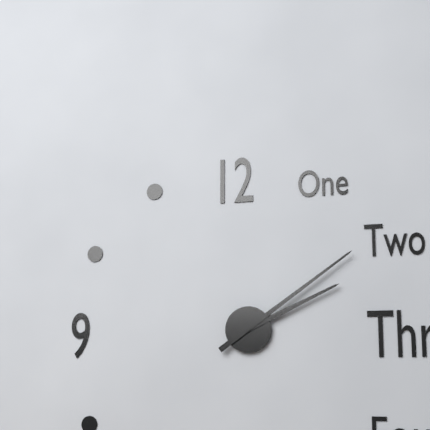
2 h 09 min
